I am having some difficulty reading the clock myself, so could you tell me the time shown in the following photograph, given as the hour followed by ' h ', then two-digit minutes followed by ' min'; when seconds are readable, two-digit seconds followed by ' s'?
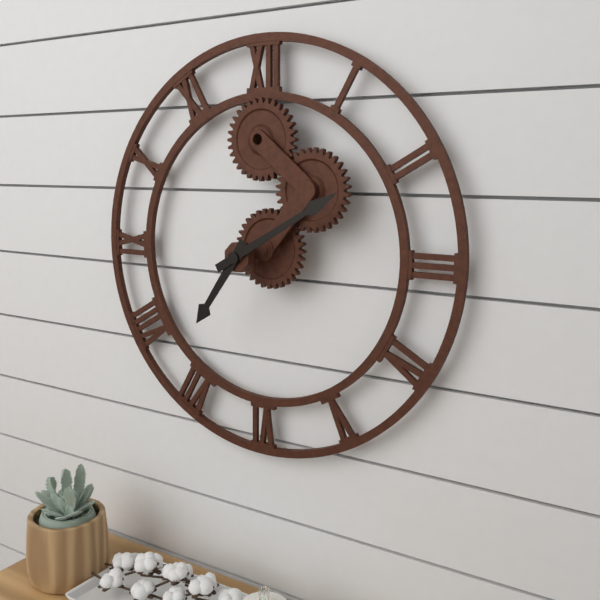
7 h 10 min
